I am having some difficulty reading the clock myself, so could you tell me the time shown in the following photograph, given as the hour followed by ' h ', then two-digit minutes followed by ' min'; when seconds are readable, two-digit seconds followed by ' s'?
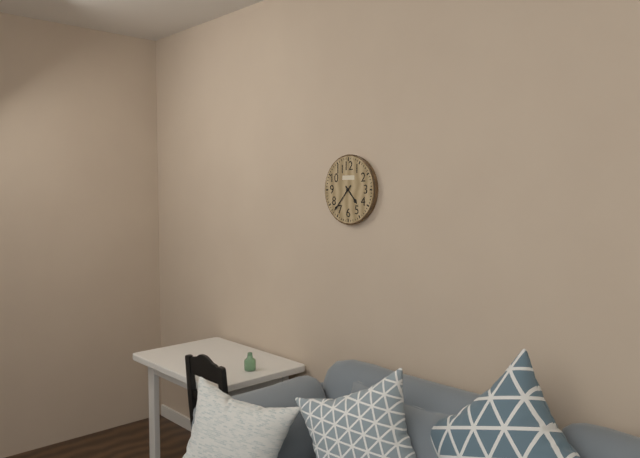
4 h 37 min
